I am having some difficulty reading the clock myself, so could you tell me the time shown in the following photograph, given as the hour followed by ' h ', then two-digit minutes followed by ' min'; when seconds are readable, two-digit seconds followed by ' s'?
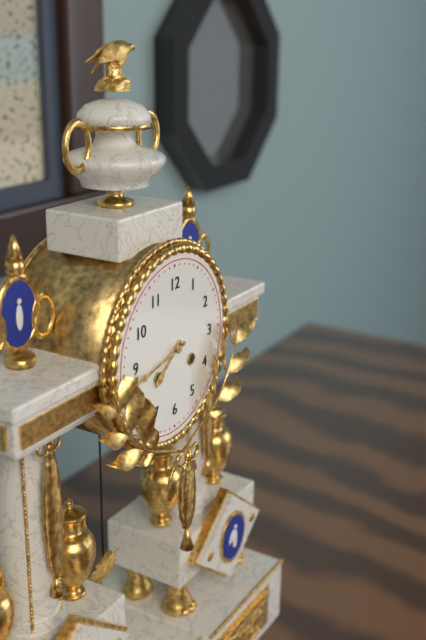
7 h 43 min
